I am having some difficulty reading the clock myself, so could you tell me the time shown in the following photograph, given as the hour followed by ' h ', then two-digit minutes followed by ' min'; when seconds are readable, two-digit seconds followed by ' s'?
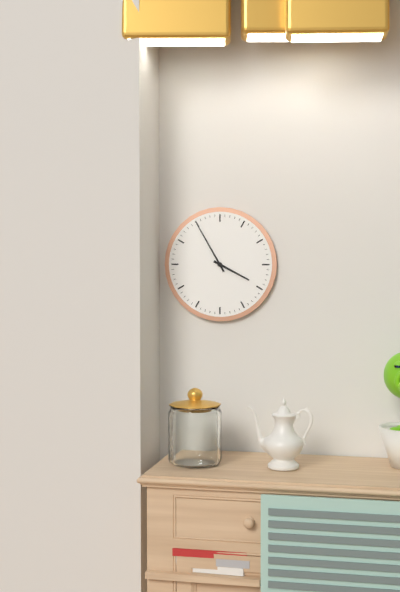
3 h 55 min
